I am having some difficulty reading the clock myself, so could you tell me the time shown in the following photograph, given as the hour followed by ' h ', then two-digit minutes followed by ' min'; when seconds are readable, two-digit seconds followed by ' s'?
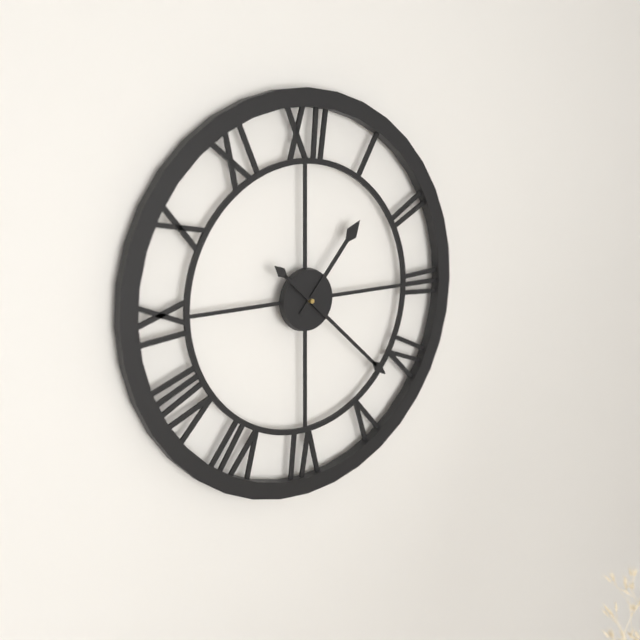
1 h 22 min
